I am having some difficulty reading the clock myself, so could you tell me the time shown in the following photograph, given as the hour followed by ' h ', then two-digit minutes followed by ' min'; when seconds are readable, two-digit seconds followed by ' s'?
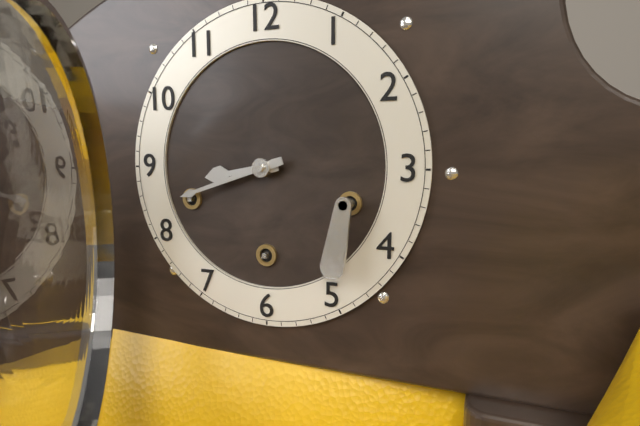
8 h 42 min
